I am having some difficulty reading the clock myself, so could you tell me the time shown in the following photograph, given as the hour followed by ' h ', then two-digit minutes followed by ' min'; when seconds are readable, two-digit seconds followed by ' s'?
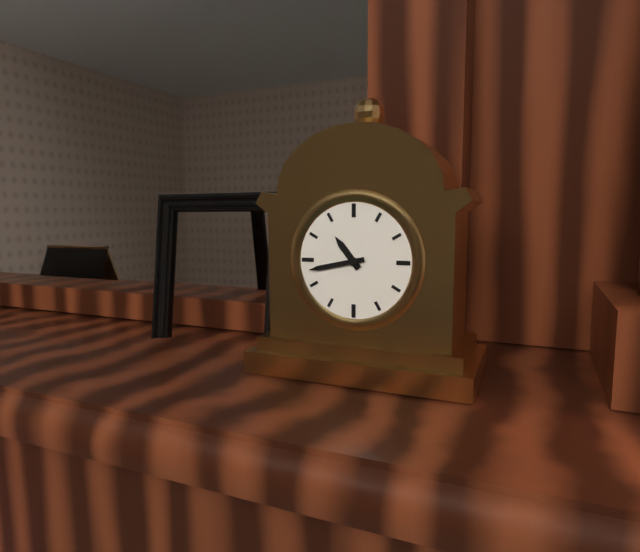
10 h 43 min
